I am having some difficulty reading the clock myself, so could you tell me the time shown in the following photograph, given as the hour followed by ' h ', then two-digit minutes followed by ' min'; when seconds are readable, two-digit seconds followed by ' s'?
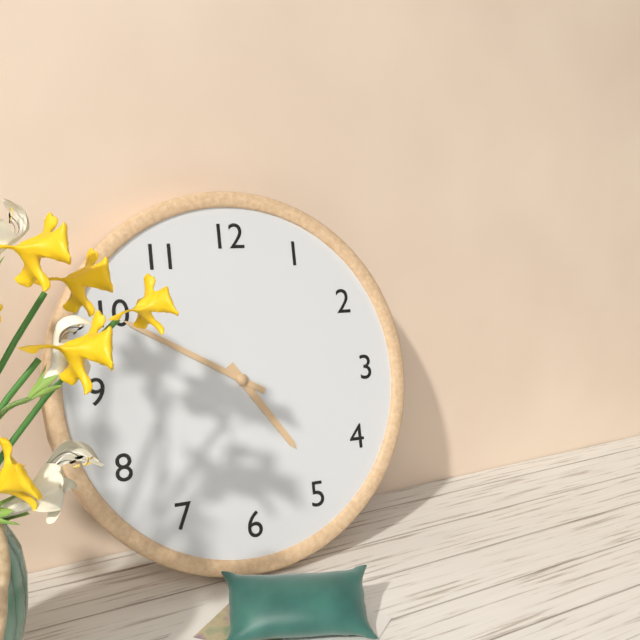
4 h 50 min
